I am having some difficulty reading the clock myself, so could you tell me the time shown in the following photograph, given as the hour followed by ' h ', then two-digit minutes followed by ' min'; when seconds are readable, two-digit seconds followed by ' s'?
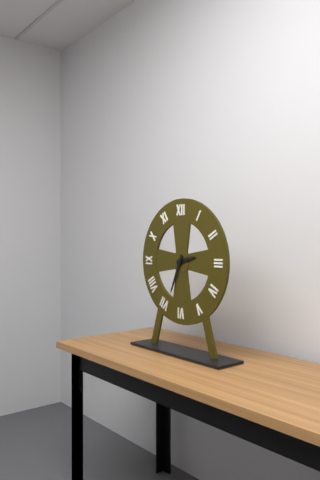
2 h 34 min
